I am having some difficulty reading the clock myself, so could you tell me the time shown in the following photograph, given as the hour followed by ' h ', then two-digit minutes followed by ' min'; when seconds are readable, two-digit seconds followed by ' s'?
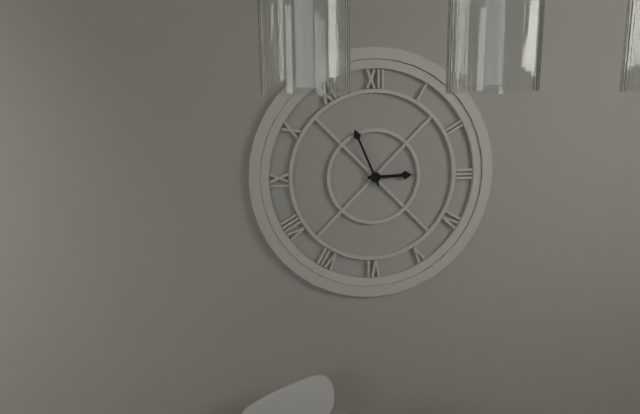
2 h 56 min
